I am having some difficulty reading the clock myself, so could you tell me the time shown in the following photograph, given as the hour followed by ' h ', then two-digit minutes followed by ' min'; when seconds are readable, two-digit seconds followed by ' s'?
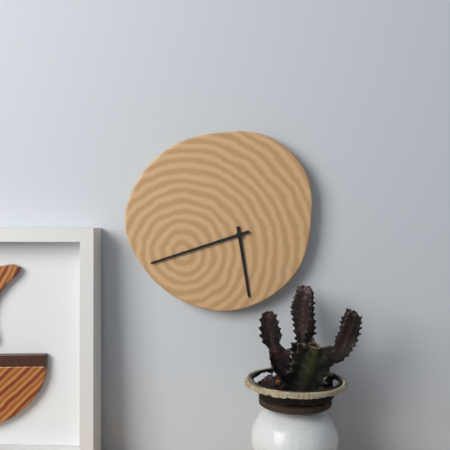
5 h 42 min
